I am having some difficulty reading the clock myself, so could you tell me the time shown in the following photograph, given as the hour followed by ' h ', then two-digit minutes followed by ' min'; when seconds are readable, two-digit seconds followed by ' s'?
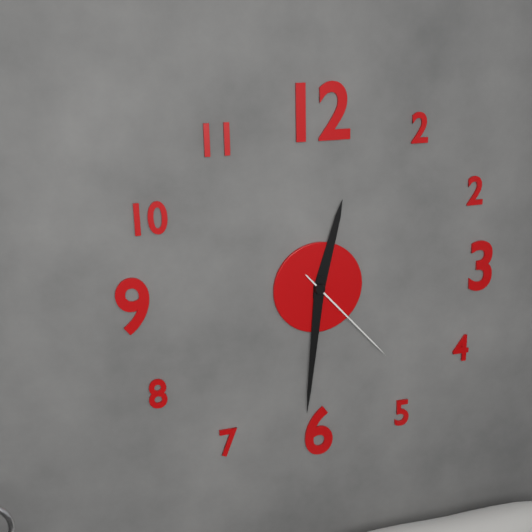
12 h 31 min 23 s
